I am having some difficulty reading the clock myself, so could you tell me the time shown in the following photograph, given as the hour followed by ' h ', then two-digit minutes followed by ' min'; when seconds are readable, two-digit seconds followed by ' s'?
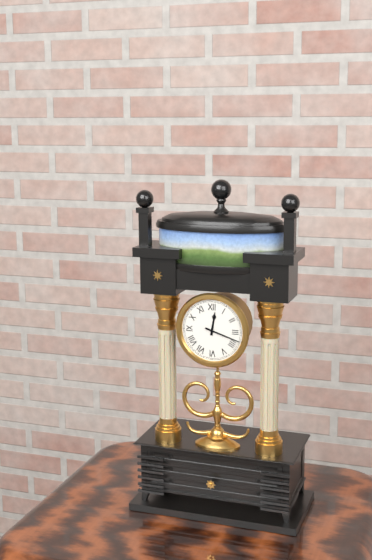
12 h 18 min
